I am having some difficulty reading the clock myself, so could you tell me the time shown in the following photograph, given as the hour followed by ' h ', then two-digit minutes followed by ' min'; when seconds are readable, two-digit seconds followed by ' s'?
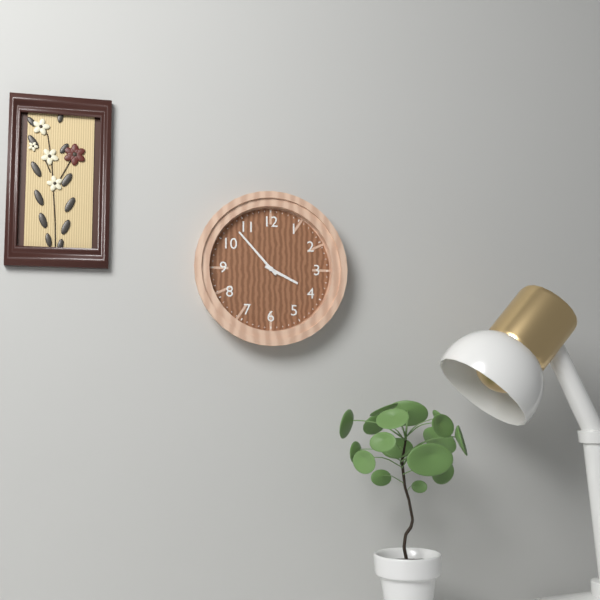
3 h 53 min
